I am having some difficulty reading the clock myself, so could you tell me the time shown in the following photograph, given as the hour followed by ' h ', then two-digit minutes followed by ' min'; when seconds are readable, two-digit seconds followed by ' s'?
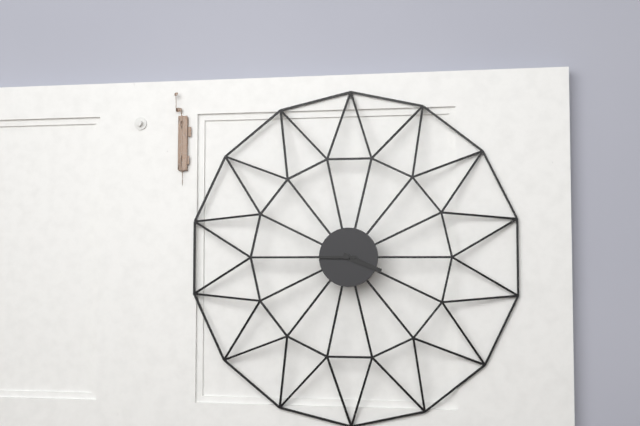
3 h 45 min
